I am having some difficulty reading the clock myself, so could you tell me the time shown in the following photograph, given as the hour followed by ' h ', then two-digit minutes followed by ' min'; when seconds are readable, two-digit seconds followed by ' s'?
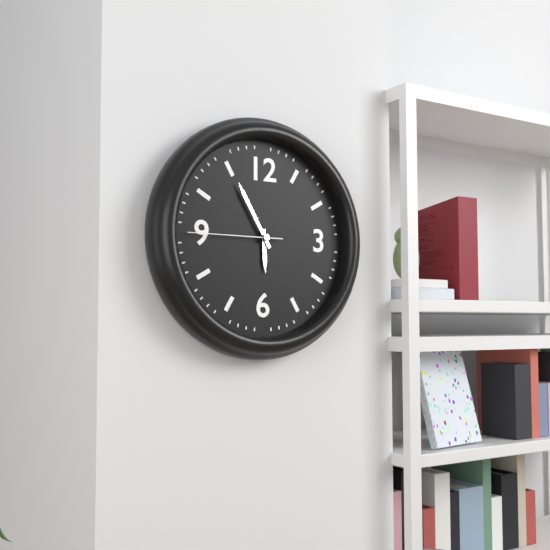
5 h 55 min 45 s
